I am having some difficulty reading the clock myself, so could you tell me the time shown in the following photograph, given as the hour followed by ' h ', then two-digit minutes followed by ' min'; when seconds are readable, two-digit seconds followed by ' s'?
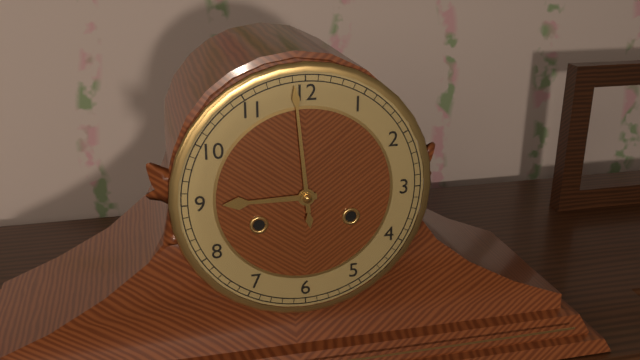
8 h 59 min
